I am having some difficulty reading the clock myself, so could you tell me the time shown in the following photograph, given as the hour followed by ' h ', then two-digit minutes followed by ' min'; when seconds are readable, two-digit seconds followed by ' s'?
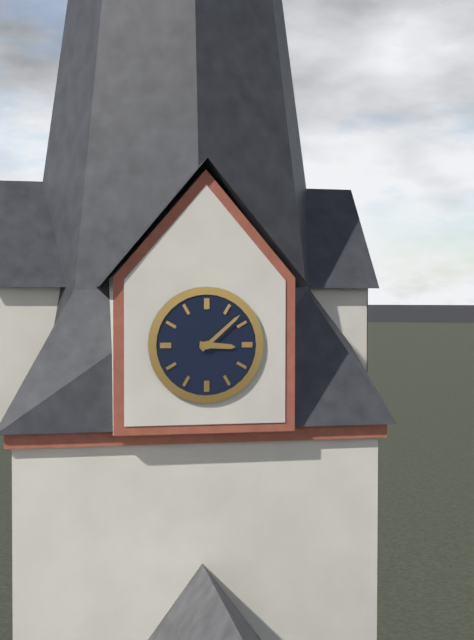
3 h 08 min
